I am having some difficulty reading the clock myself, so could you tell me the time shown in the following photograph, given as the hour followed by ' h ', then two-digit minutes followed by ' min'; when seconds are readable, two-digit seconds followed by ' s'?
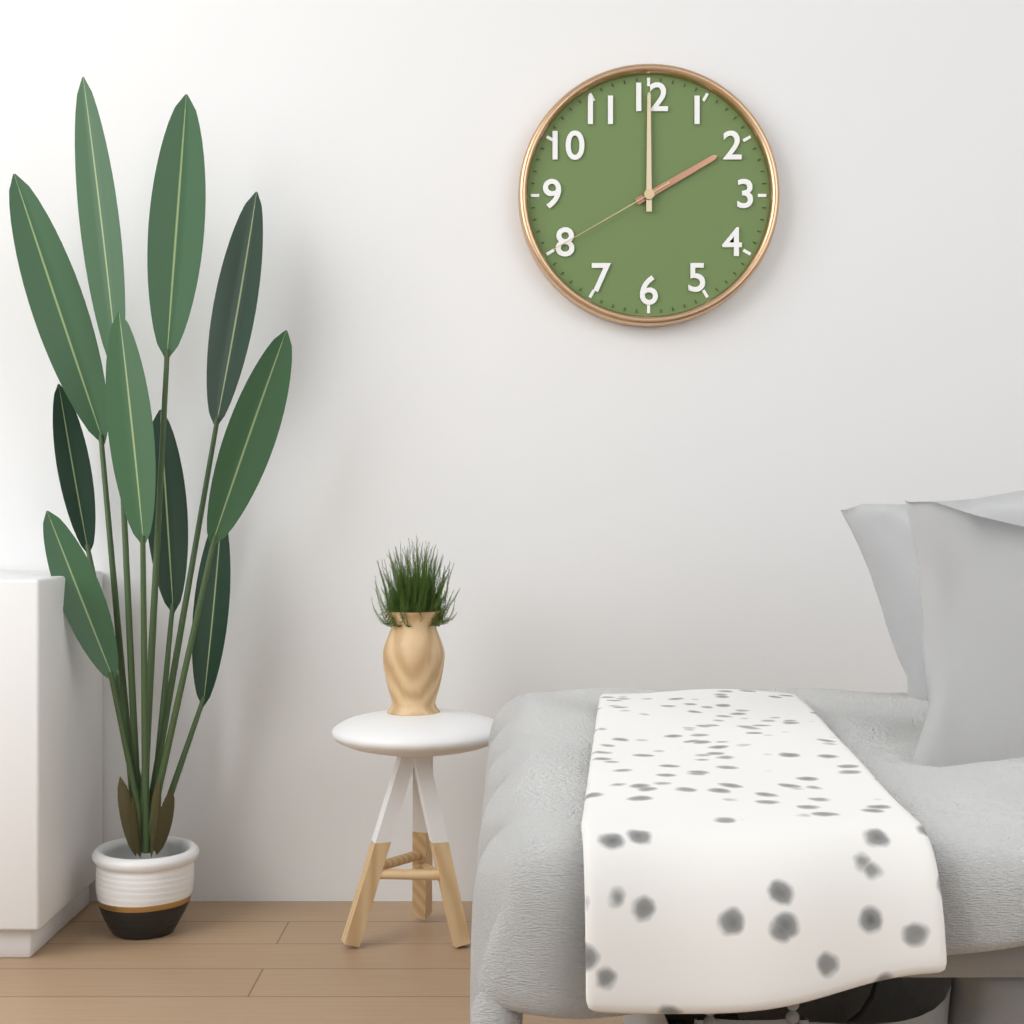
2 h 00 min 40 s
